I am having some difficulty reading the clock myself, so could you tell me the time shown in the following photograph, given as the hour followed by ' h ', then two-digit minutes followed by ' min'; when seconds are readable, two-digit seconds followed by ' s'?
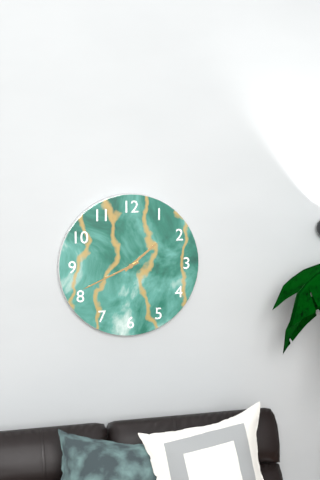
1 h 41 min
